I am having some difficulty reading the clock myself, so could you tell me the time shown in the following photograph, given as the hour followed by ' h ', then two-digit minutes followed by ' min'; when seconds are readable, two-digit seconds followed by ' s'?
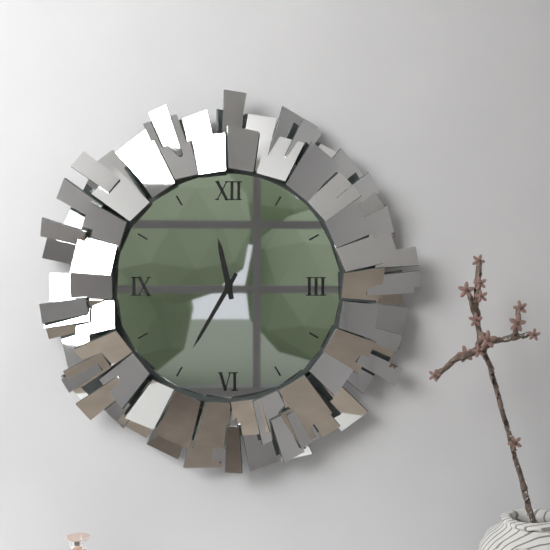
11 h 35 min
